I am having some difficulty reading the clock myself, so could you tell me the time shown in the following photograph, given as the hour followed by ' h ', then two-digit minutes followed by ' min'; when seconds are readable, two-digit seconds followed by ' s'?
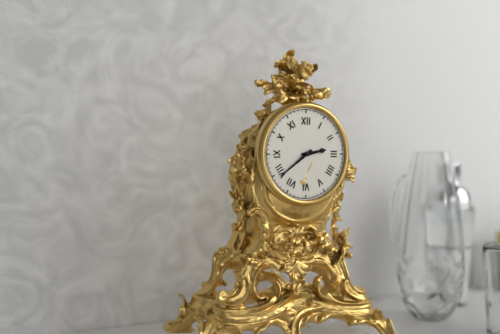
2 h 39 min
